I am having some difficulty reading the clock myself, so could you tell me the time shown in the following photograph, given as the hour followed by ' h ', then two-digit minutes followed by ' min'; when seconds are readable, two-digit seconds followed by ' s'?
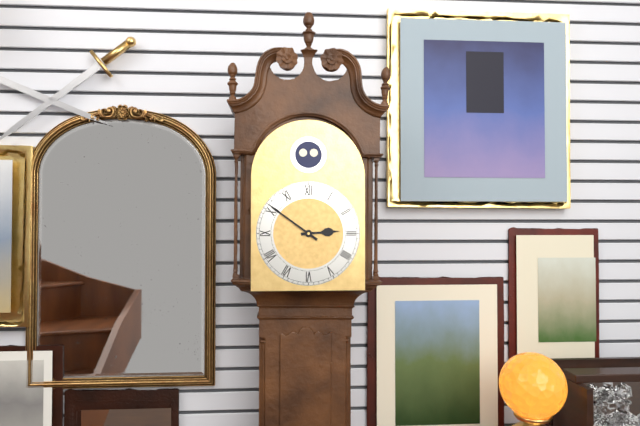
2 h 51 min
